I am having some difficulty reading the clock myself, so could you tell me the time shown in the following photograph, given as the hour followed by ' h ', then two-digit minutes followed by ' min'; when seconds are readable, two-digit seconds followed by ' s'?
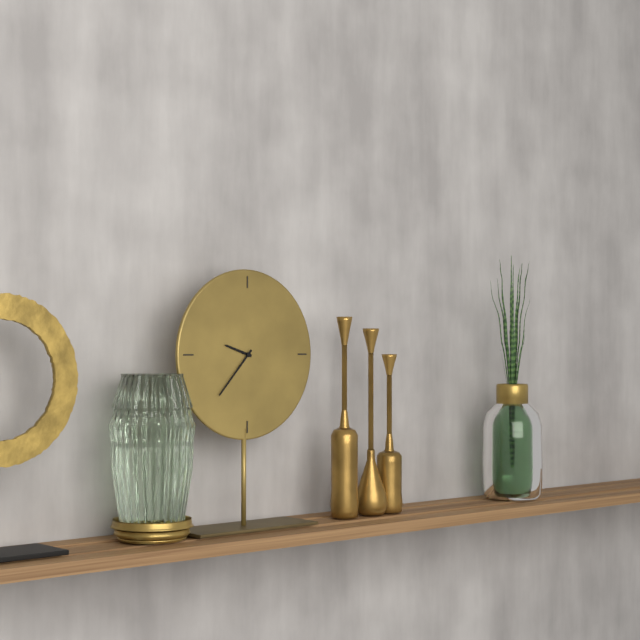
9 h 37 min
